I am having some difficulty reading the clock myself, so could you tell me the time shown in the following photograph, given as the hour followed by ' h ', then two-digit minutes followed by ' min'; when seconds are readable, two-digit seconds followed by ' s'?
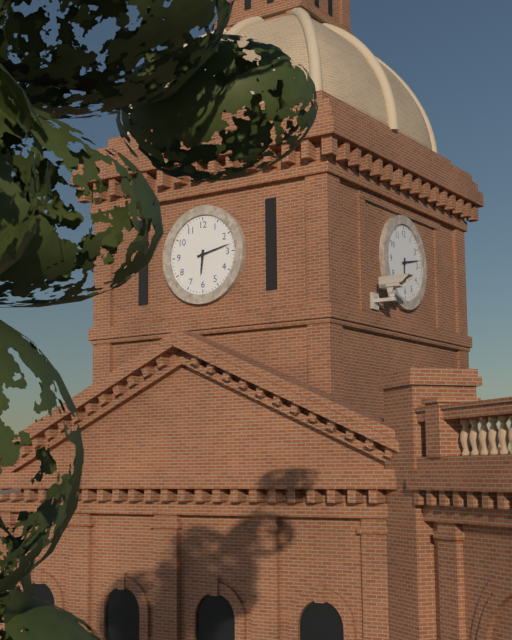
6 h 13 min
